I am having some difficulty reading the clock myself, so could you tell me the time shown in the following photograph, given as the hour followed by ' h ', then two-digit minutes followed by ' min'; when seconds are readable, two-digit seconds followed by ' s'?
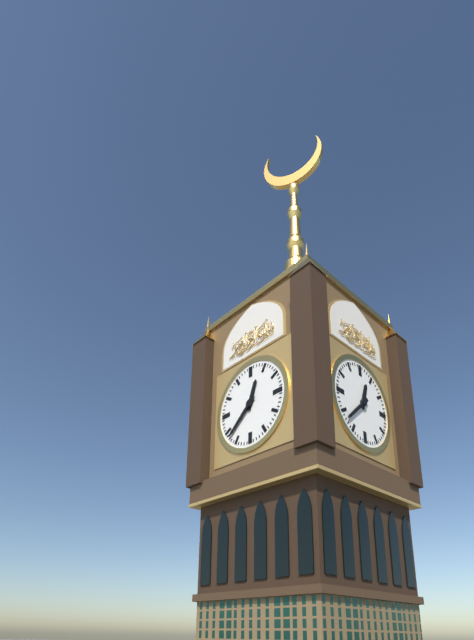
12 h 38 min
